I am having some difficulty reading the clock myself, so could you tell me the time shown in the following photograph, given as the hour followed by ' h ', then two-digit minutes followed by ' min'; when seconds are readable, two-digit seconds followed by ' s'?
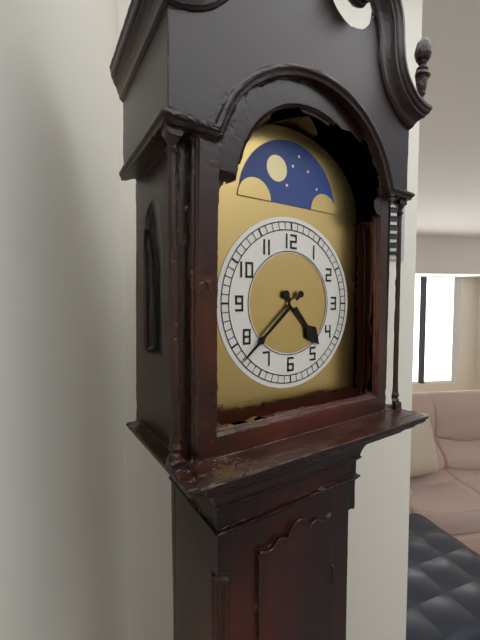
4 h 38 min
